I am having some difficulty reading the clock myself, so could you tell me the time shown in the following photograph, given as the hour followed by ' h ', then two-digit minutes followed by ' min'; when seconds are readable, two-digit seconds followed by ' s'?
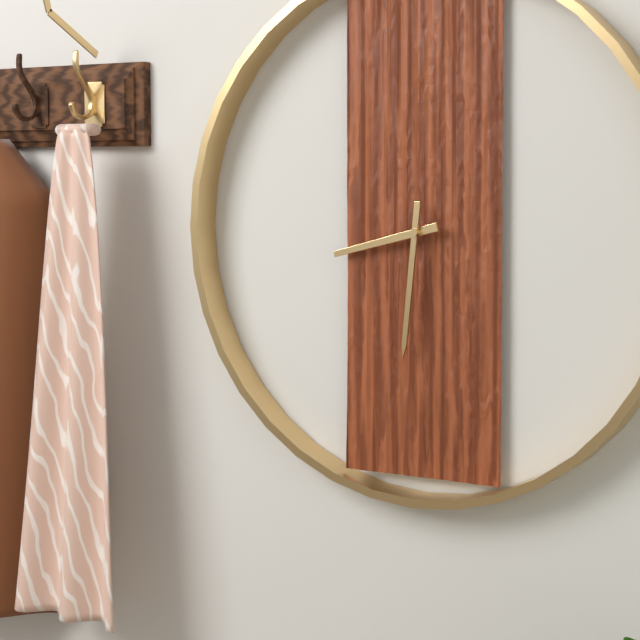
8 h 31 min
